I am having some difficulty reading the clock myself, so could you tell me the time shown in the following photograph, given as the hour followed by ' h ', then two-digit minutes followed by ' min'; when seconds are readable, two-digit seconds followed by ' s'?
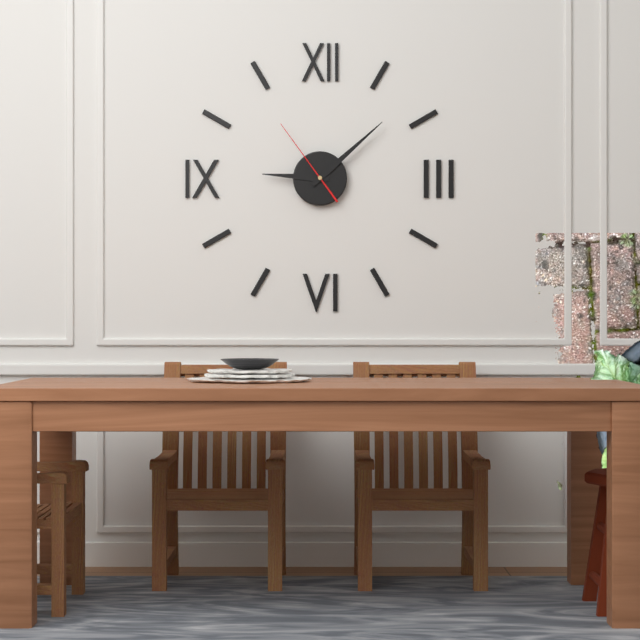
9 h 08 min 54 s
